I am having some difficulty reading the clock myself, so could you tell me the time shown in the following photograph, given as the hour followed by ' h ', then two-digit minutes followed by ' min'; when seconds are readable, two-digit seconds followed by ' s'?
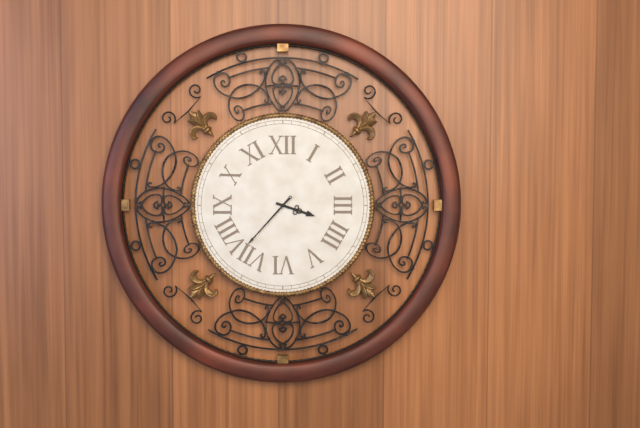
3 h 37 min
